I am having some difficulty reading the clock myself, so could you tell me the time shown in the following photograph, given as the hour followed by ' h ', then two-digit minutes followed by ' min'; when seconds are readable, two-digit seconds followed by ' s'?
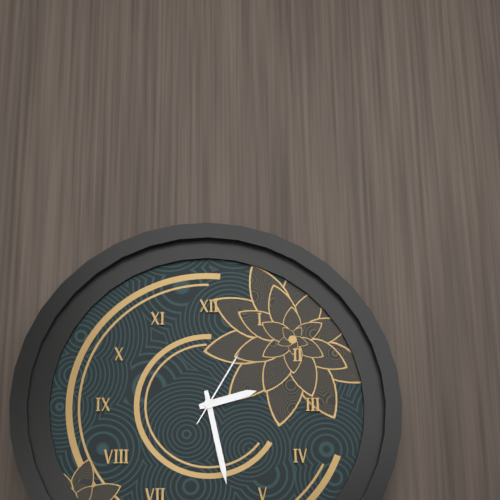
2 h 28 min 05 s
